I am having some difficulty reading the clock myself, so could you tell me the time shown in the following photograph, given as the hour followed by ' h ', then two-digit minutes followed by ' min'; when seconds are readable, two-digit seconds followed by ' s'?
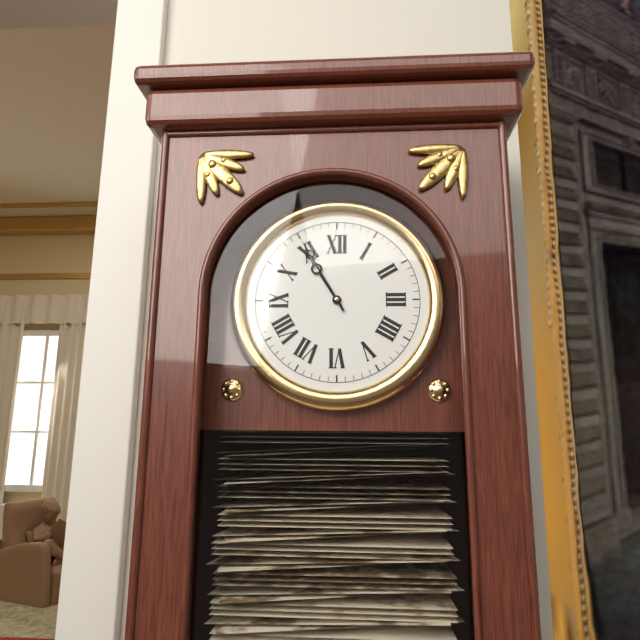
10 h 55 min
